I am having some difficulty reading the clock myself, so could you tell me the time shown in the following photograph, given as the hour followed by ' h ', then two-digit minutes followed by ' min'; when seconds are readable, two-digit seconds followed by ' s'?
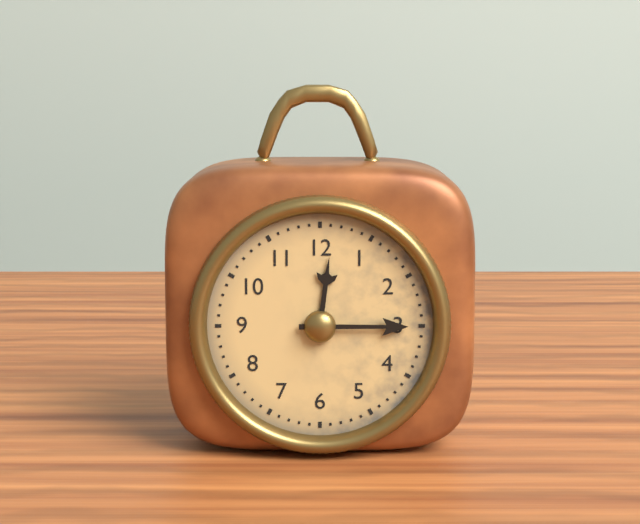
12 h 15 min
